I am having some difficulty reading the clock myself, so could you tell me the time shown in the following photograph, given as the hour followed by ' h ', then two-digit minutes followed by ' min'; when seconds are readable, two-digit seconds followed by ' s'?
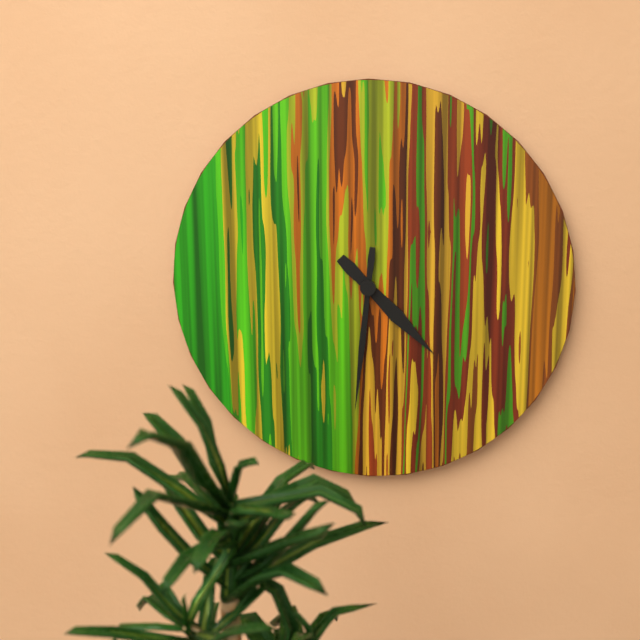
4 h 31 min
